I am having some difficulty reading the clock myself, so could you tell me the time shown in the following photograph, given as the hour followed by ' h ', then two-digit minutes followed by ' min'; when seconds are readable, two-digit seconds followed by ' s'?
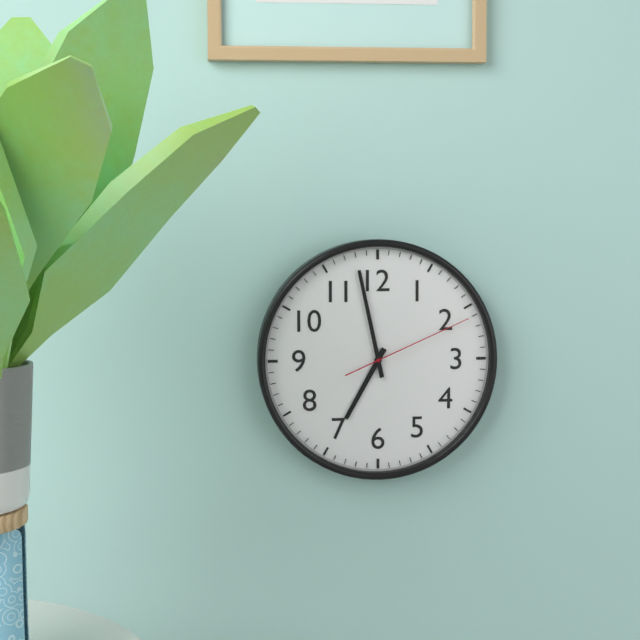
6 h 58 min 11 s
